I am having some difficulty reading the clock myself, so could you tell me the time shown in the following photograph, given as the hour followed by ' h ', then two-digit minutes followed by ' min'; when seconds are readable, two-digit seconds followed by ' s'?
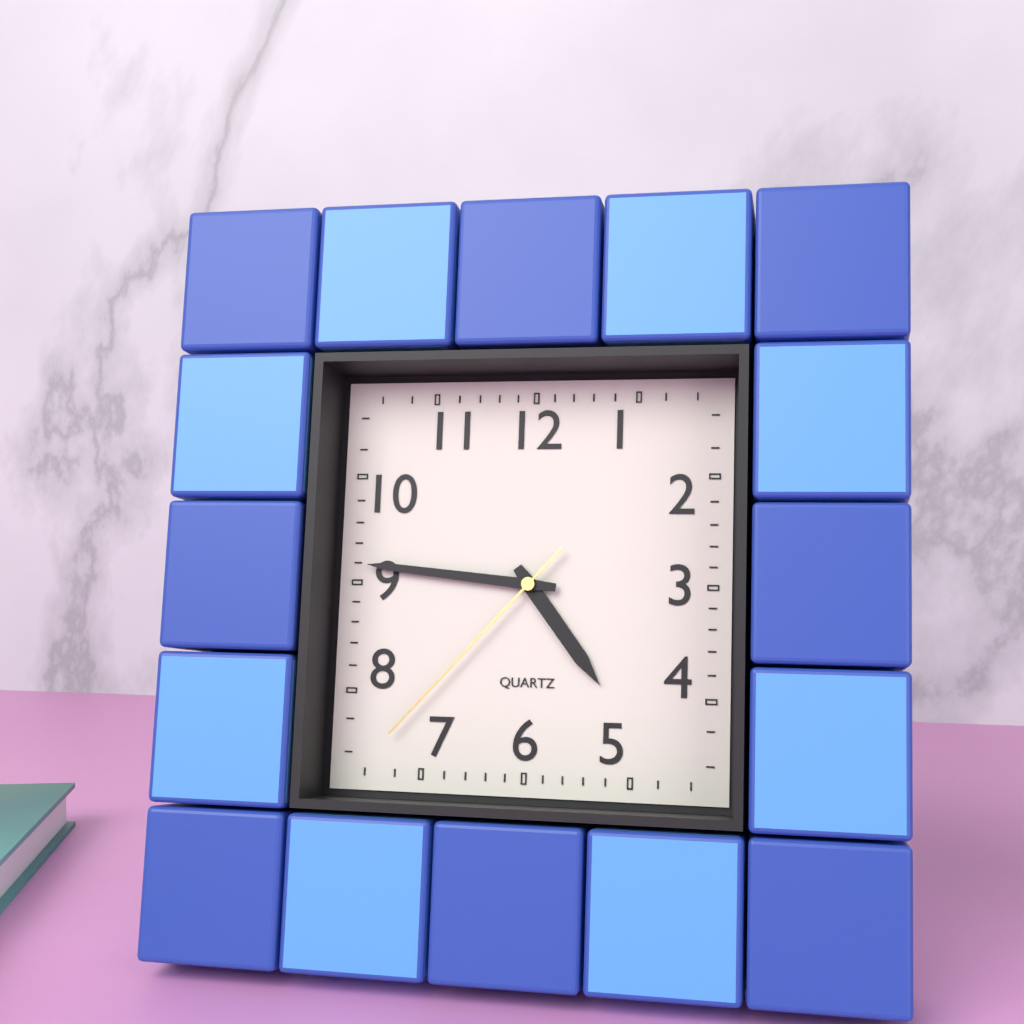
4 h 46 min 37 s
